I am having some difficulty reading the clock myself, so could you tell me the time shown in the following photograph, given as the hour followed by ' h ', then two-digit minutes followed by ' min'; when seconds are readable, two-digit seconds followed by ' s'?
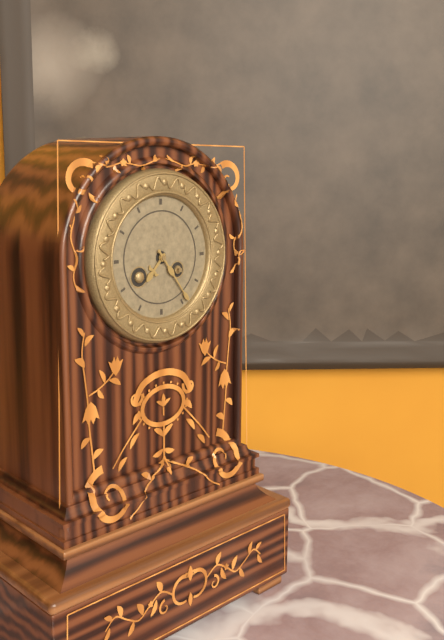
7 h 24 min
